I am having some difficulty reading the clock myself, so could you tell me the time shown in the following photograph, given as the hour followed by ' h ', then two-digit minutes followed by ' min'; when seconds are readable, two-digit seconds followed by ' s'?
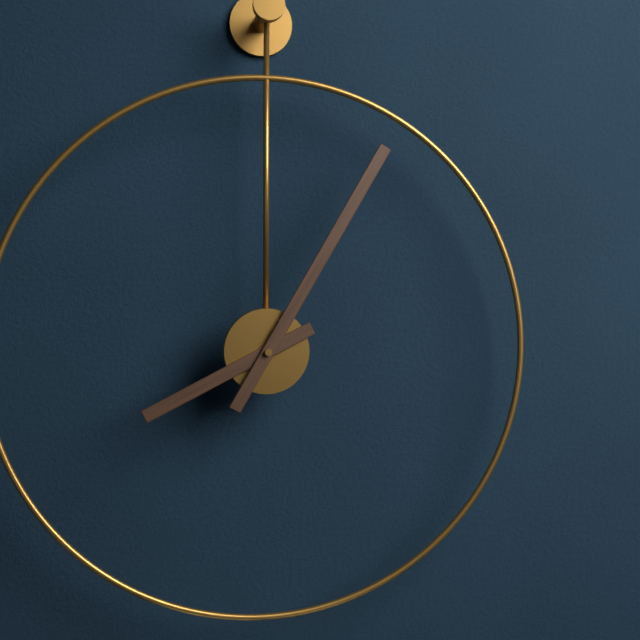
8 h 05 min
